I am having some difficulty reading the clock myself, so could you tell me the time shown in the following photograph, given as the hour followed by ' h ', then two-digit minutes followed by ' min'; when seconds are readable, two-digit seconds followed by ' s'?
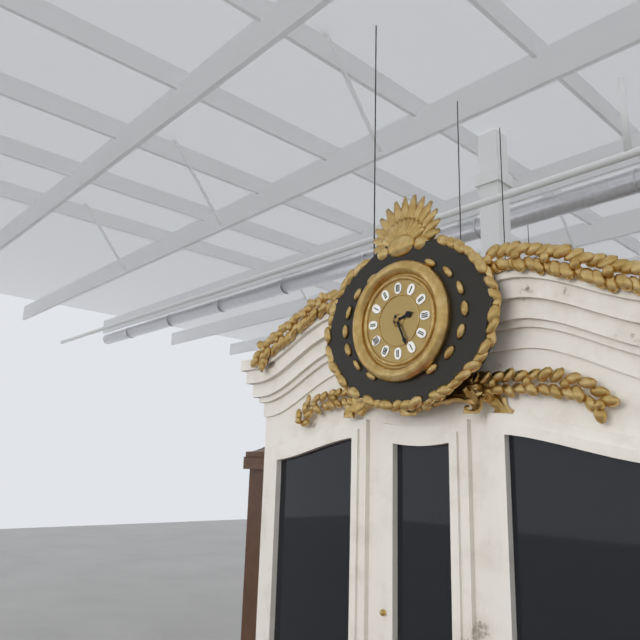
2 h 26 min
